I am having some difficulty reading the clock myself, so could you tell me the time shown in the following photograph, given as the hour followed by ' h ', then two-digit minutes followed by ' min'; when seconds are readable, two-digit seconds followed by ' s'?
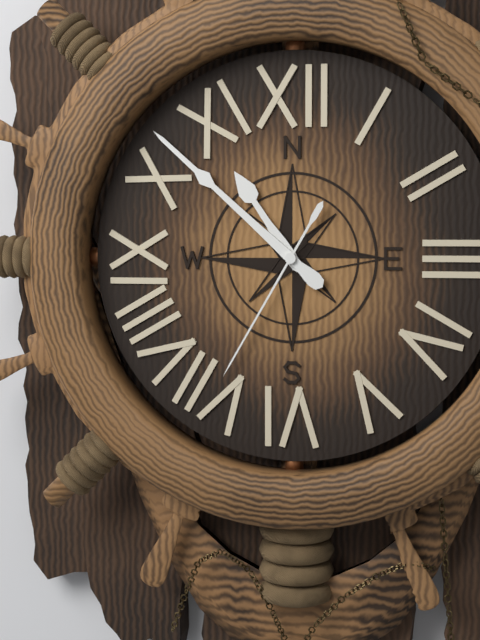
10 h 52 min 35 s
